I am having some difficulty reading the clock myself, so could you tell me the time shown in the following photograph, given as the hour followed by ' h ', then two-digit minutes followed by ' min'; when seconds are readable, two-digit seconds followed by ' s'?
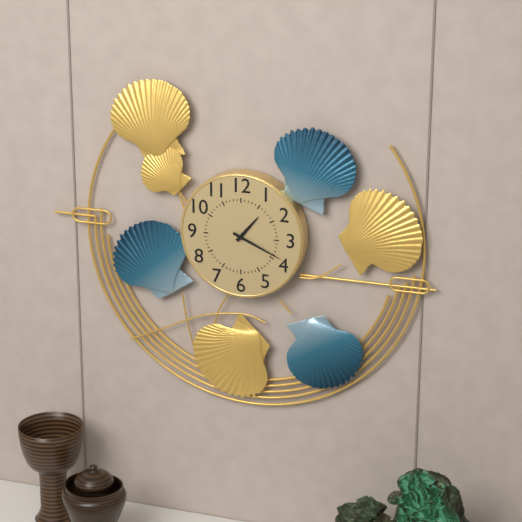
1 h 19 min
